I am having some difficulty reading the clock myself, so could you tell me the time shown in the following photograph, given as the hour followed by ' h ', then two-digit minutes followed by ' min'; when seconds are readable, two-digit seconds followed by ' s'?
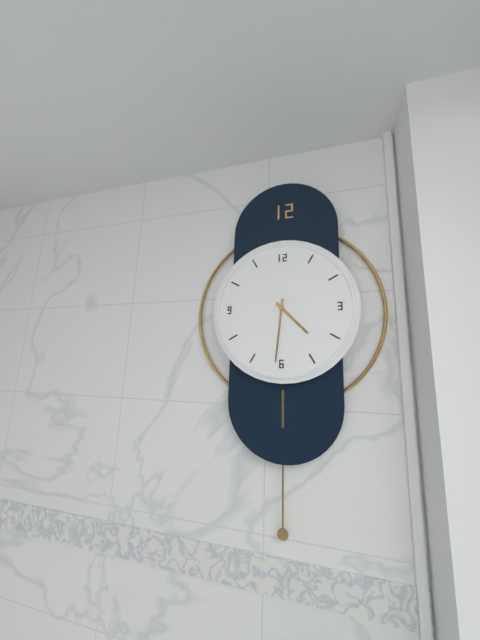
4 h 31 min
